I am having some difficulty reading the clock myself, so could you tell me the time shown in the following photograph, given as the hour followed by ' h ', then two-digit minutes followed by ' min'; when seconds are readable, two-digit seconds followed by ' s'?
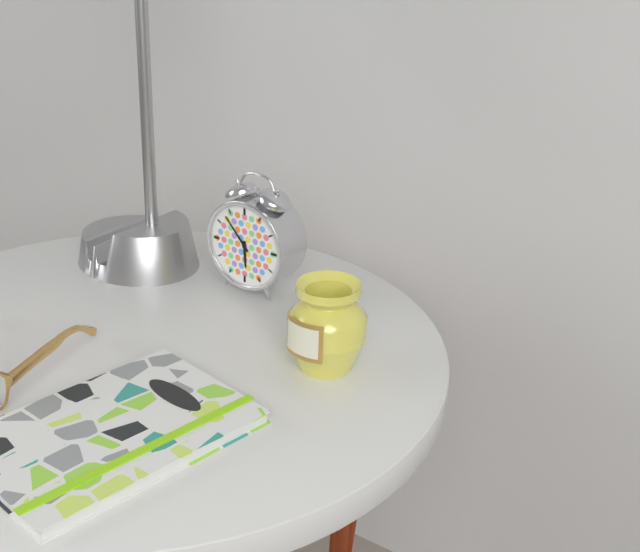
5 h 53 min
